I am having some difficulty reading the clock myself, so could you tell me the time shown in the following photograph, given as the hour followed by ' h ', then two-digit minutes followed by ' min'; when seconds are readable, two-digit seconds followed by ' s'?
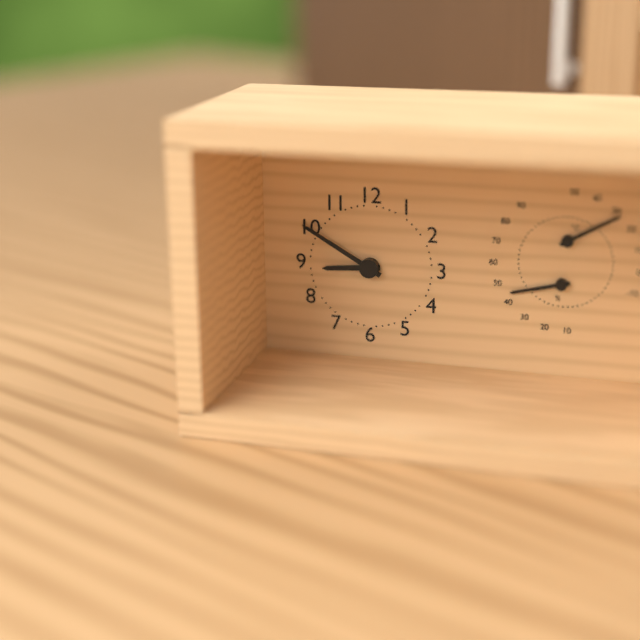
8 h 50 min
